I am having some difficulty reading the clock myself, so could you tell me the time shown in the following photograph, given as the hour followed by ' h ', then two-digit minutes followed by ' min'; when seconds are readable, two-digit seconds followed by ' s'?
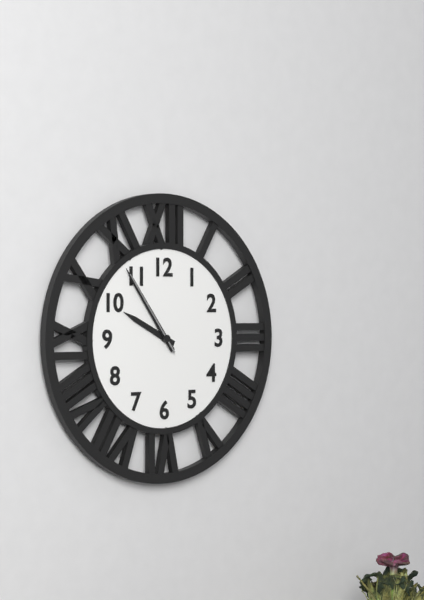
9 h 54 min 54 s
